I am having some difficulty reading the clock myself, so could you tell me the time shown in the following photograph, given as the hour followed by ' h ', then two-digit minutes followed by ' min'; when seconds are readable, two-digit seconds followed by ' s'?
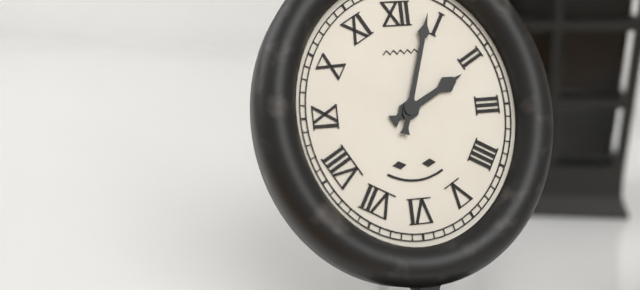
2 h 03 min
